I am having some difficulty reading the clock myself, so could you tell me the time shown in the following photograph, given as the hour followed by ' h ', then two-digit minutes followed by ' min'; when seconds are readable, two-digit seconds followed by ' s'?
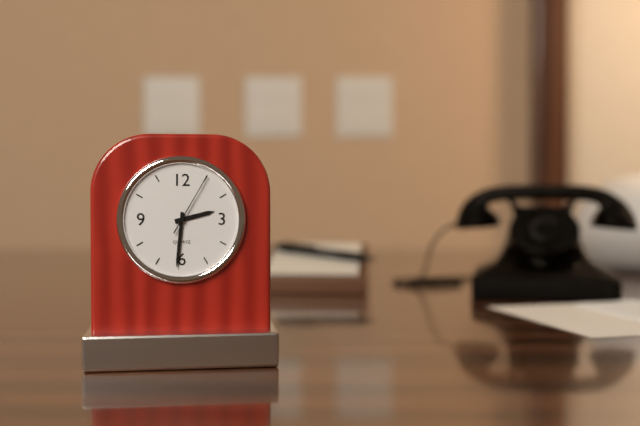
2 h 31 min 05 s
